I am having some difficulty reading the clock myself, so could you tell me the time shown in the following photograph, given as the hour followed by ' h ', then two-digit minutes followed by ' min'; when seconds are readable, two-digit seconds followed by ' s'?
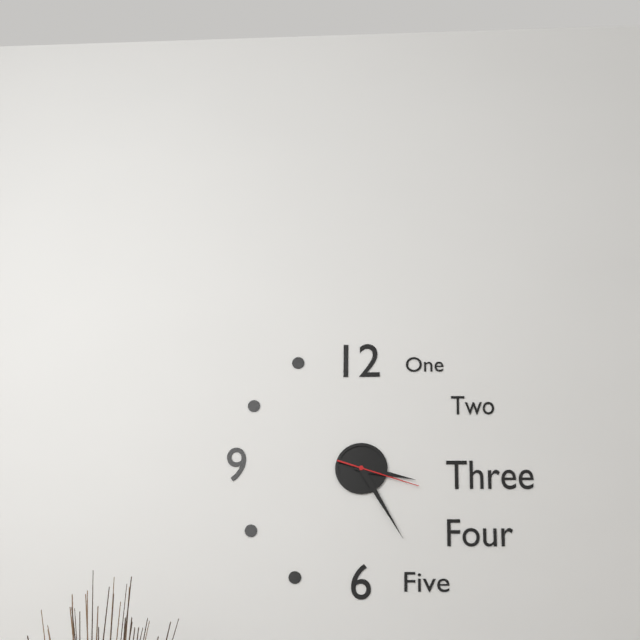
3 h 25 min 18 s
